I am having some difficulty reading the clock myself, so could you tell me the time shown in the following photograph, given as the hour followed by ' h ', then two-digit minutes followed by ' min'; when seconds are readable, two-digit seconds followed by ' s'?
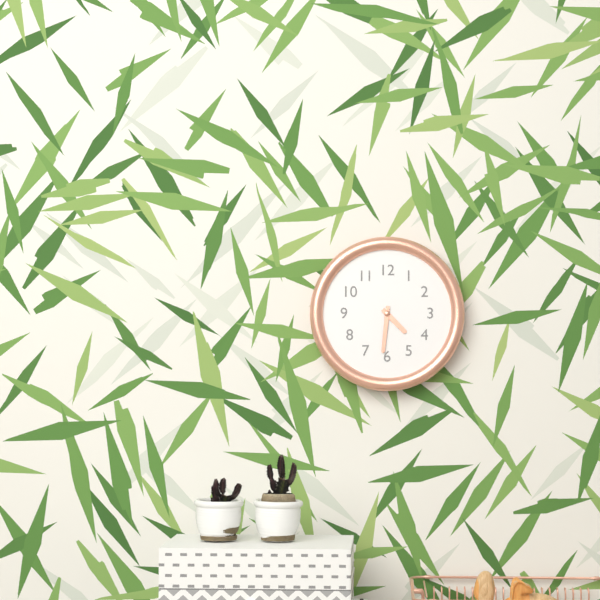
4 h 31 min
